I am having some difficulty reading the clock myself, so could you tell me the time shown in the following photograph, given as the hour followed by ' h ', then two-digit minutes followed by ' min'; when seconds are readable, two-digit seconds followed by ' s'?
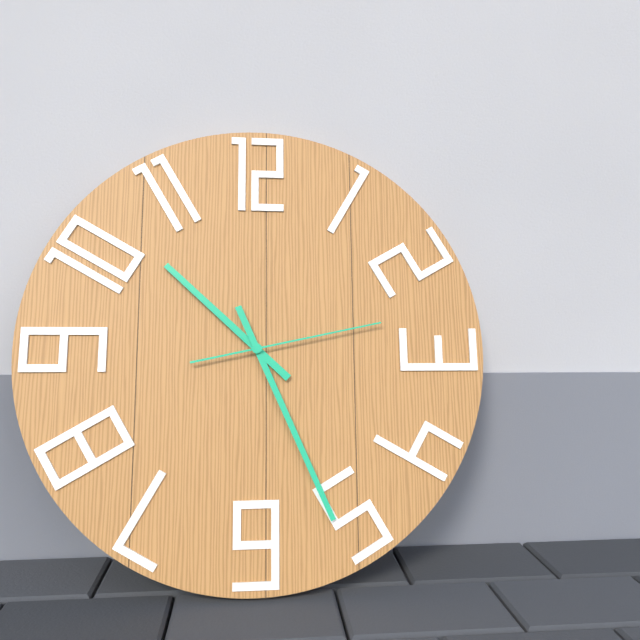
10 h 26 min 13 s
